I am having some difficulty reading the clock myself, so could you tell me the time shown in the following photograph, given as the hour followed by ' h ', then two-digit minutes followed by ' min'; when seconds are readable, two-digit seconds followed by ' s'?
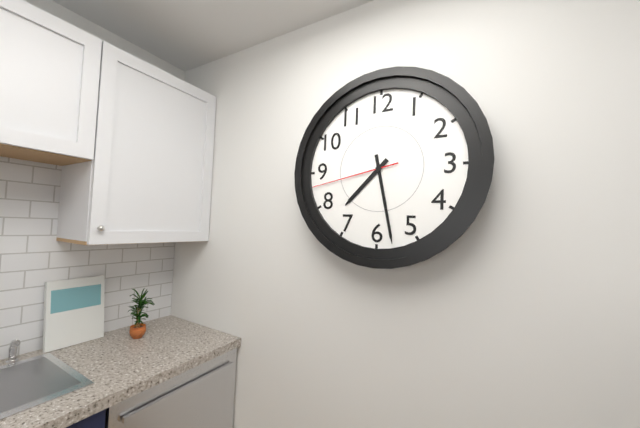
7 h 28 min 43 s
